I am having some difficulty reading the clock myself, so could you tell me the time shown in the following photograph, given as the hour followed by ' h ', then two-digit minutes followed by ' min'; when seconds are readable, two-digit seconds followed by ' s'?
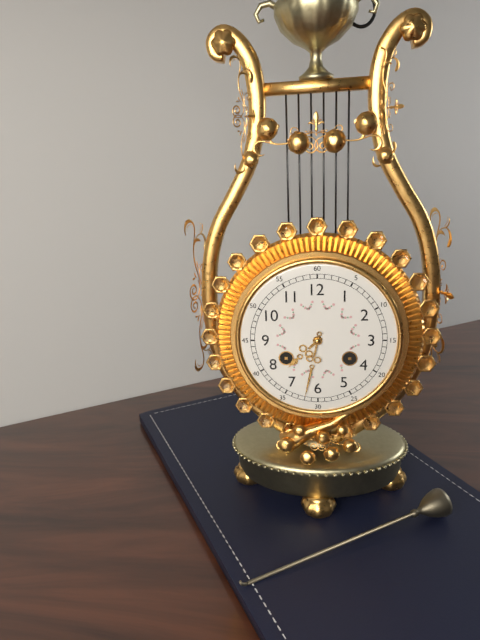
7 h 32 min
